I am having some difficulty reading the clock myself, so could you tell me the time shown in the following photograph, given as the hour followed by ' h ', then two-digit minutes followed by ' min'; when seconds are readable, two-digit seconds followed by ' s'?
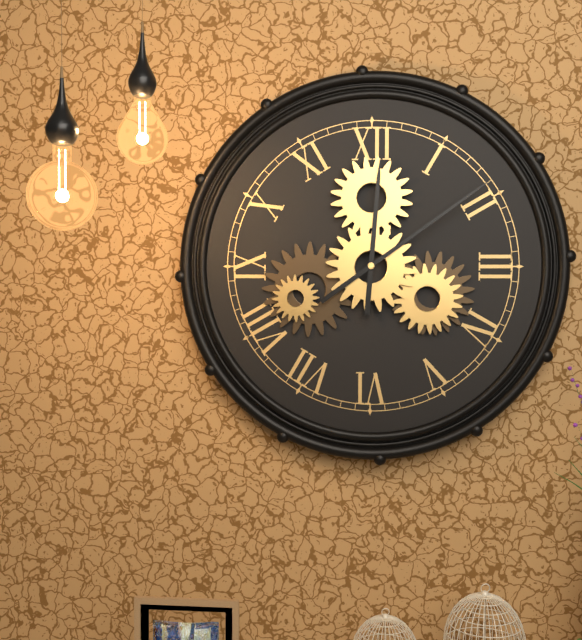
12 h 09 min
